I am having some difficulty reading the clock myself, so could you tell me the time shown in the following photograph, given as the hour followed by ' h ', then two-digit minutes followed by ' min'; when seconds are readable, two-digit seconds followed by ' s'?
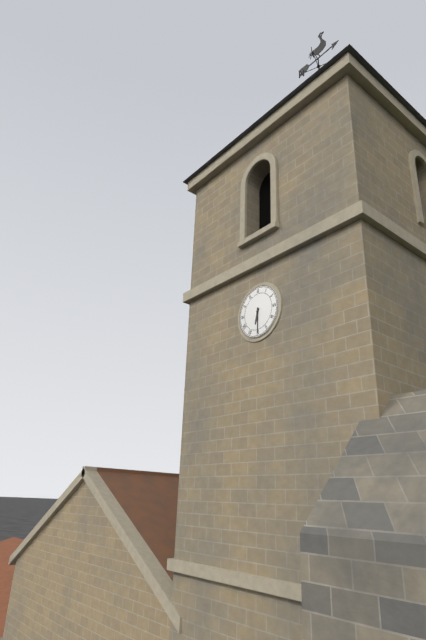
6 h 30 min
